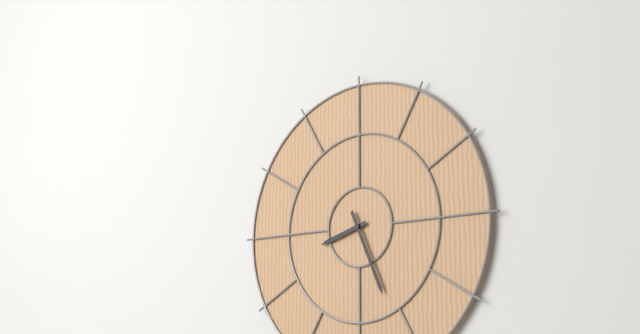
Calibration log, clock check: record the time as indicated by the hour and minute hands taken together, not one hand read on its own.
8:26
